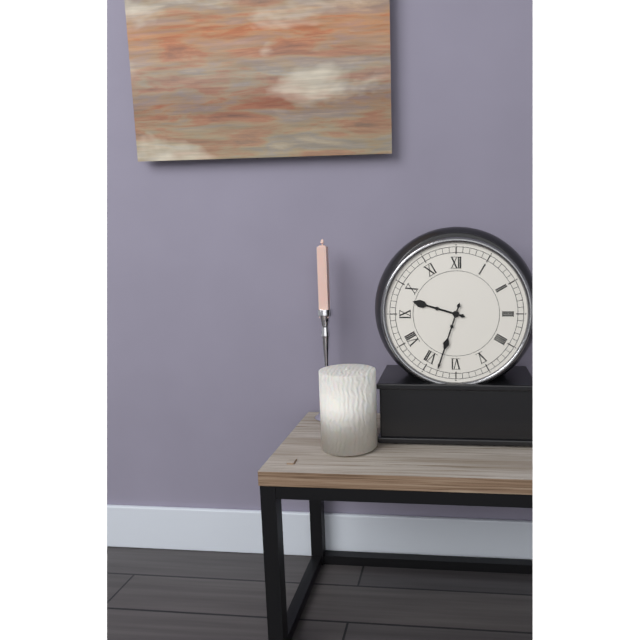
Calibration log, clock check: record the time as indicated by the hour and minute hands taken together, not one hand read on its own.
9:33
